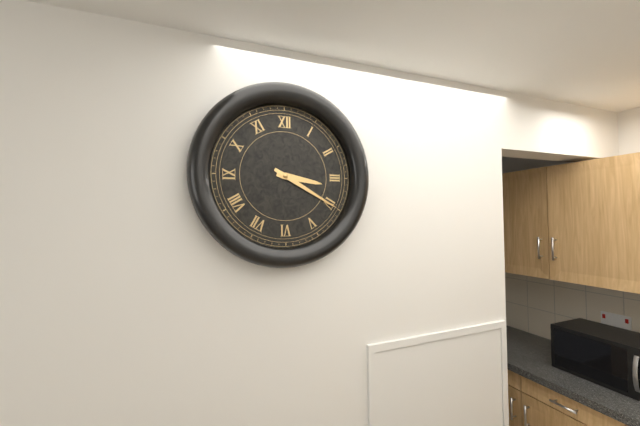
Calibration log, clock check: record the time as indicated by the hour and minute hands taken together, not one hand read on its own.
3:20
